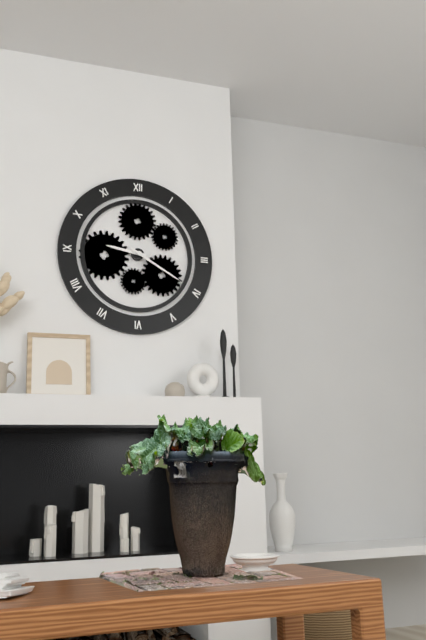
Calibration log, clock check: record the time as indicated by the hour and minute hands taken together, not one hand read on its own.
9:20
